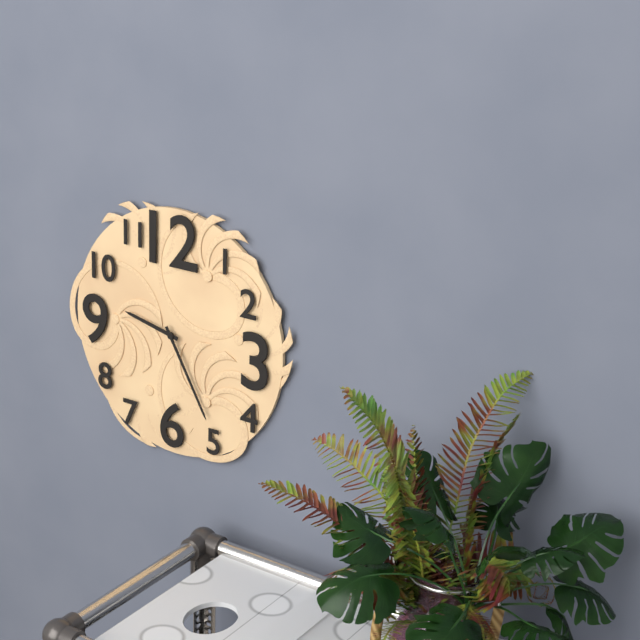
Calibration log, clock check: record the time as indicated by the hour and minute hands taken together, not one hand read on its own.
9:25
